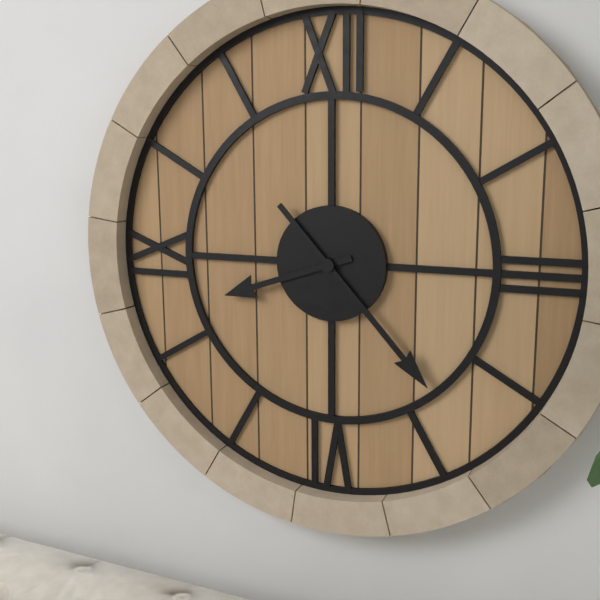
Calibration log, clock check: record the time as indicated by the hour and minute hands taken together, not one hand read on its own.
8:23
